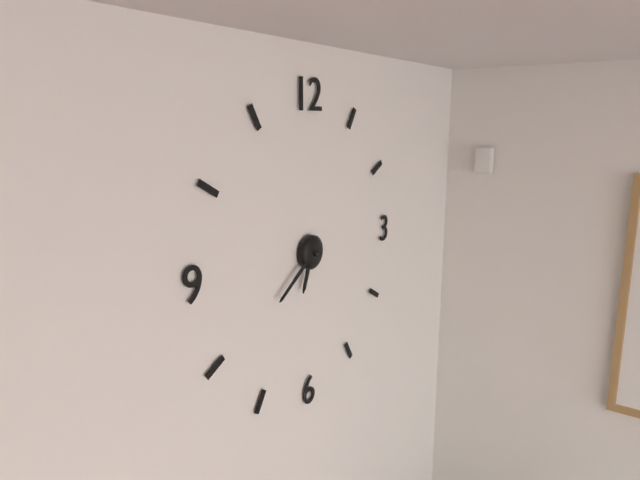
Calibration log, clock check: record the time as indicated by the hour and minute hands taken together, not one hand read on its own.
6:39
